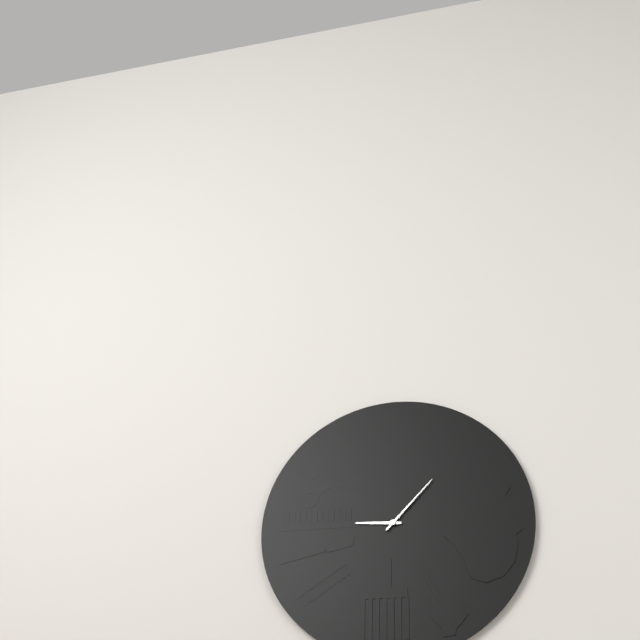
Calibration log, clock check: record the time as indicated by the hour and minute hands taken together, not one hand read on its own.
9:07
